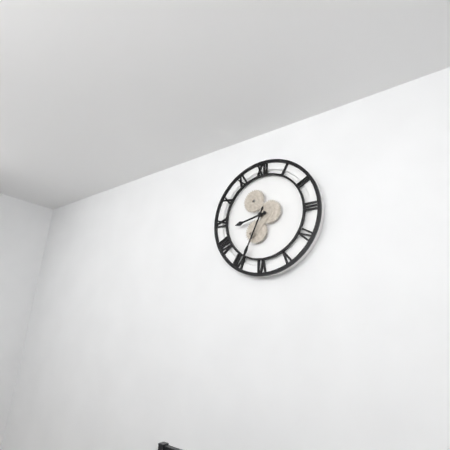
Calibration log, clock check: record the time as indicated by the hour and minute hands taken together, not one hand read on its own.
8:34
